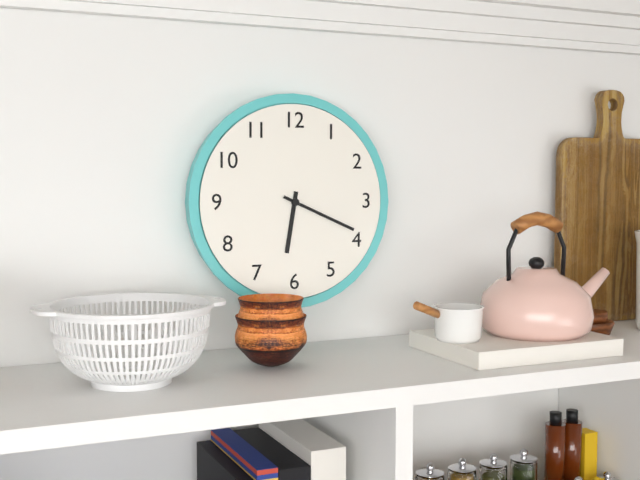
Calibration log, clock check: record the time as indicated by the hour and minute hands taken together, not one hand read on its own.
6:19
